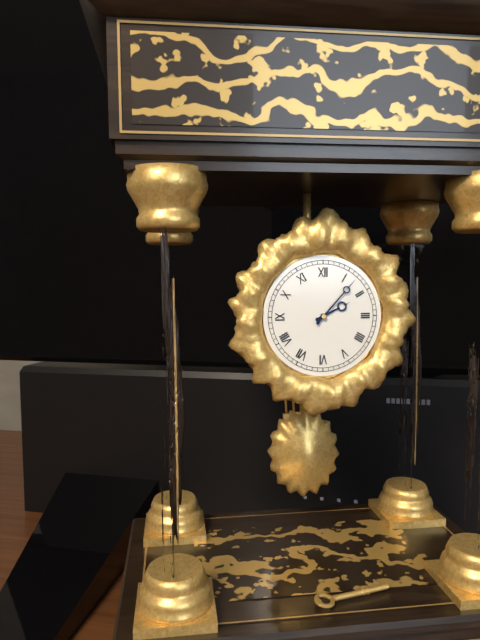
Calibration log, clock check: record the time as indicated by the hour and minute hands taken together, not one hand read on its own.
2:07
